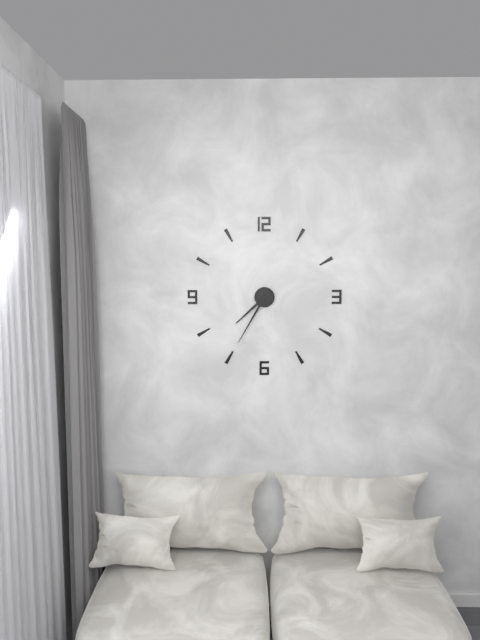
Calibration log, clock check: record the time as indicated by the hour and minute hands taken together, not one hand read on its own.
7:35
